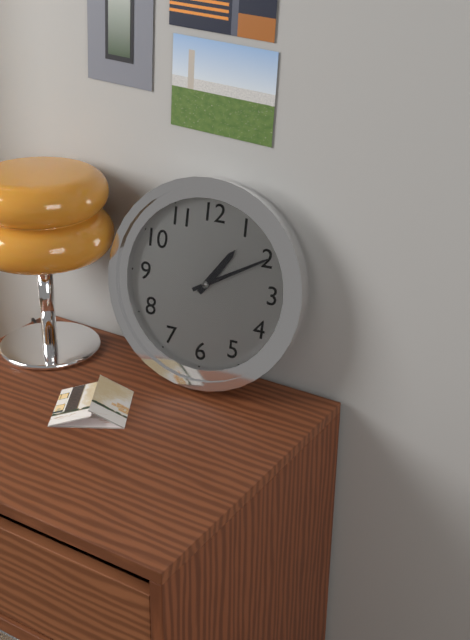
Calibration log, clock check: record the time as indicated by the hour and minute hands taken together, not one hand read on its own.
1:10
